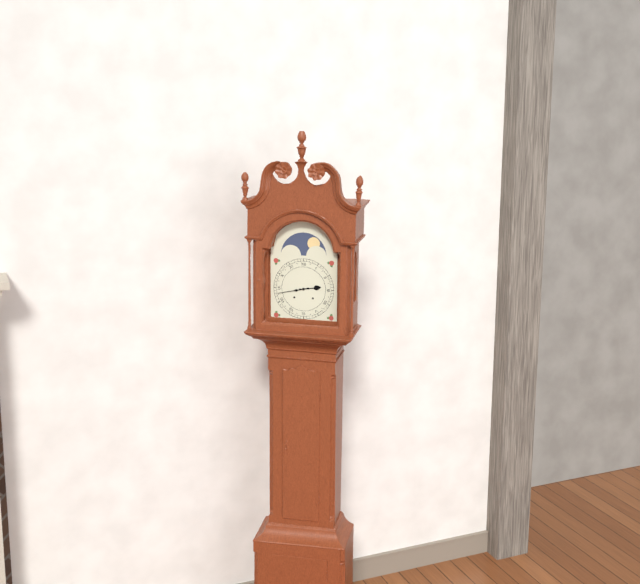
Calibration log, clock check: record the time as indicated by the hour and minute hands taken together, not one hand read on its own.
2:43
